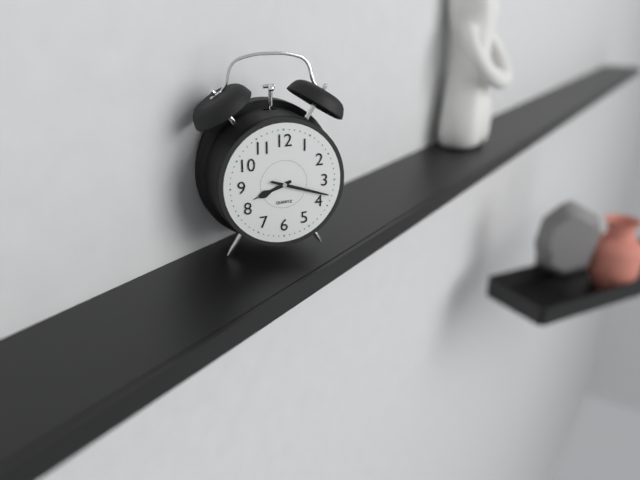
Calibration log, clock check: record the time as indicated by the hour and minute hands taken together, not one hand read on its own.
8:18
